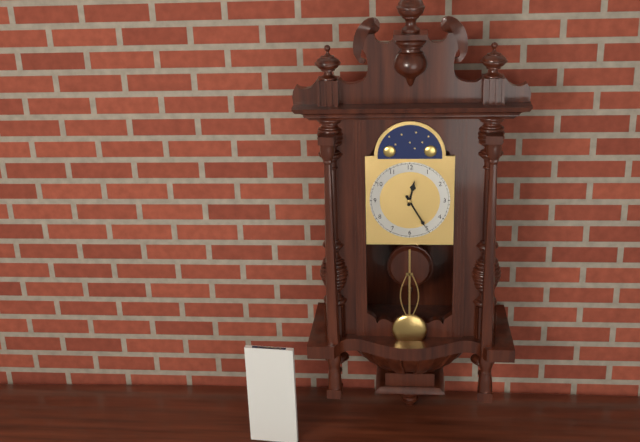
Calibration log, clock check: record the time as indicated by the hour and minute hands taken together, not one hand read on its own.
12:25
